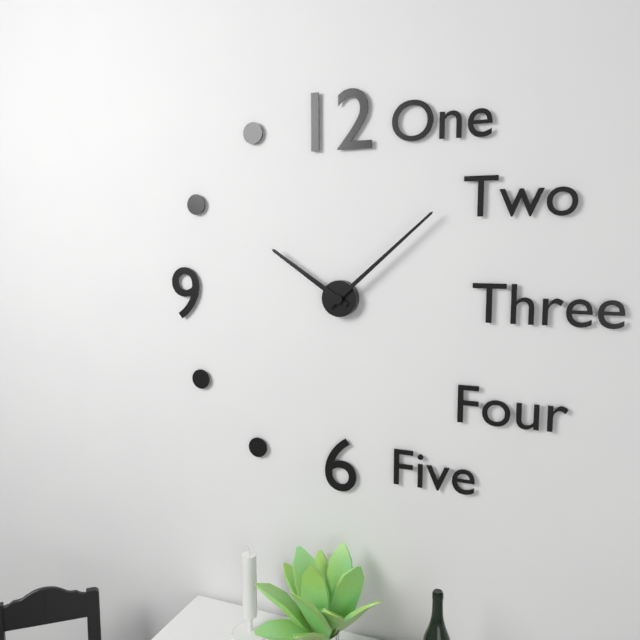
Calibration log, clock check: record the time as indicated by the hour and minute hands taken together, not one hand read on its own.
10:08
